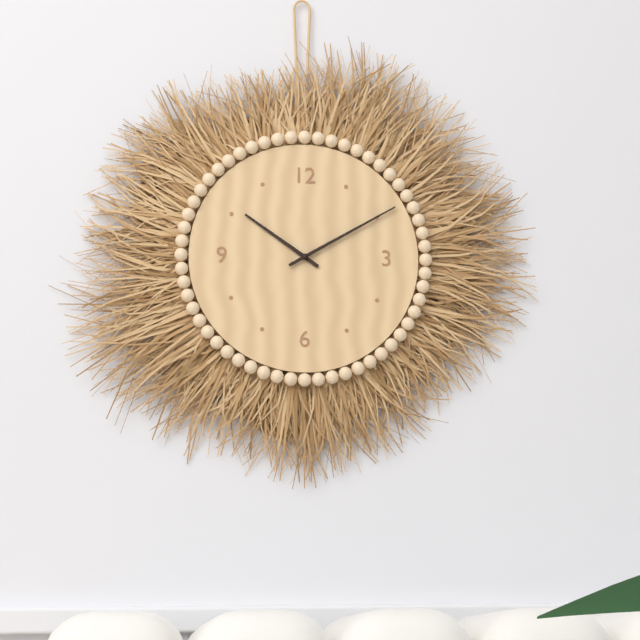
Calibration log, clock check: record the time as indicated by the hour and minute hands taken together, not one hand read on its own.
10:10
